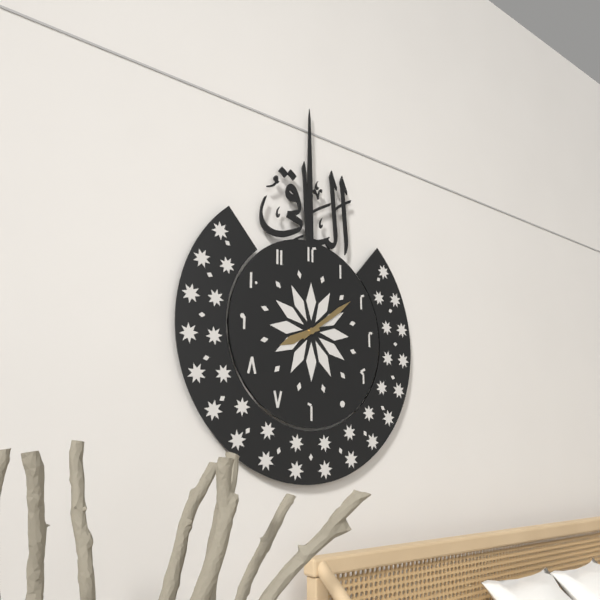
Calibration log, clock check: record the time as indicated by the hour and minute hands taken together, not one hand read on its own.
8:09
